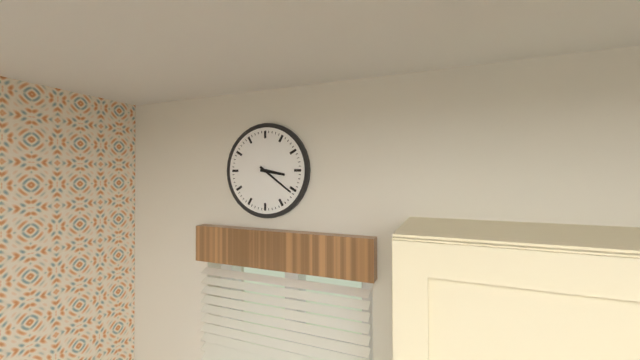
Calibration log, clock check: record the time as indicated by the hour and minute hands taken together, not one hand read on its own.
3:21
